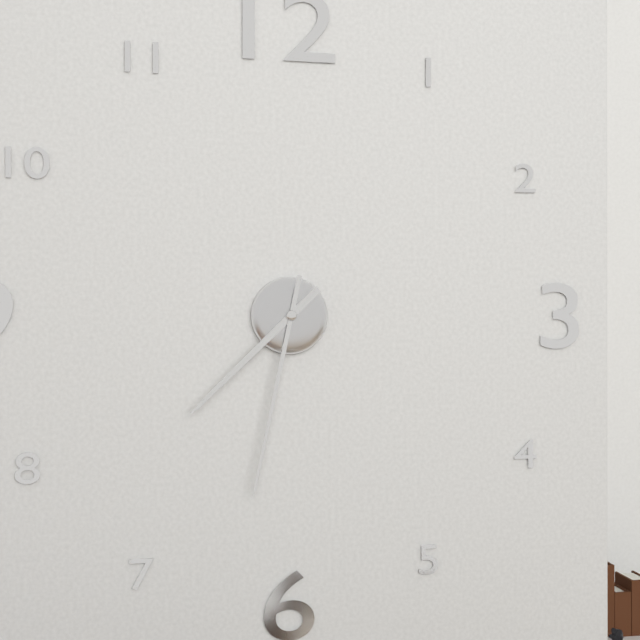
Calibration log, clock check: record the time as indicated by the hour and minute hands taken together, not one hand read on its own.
7:32
